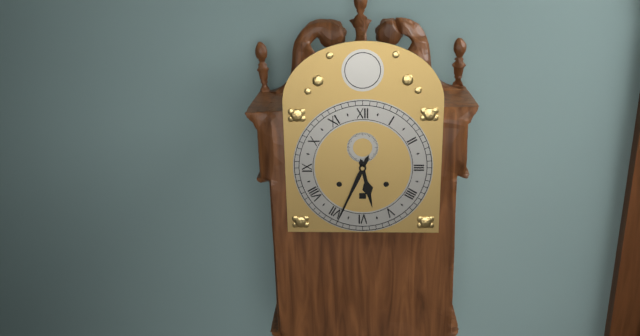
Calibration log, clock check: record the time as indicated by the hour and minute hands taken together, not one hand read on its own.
5:34
